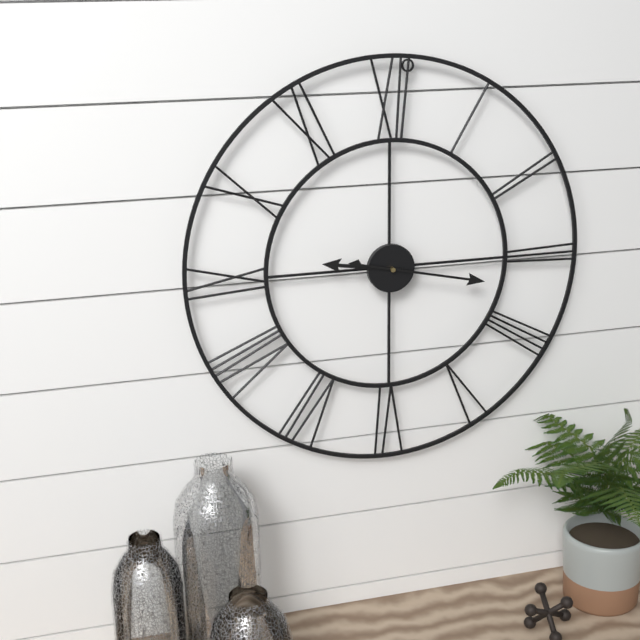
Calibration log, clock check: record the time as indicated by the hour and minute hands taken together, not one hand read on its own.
9:17
